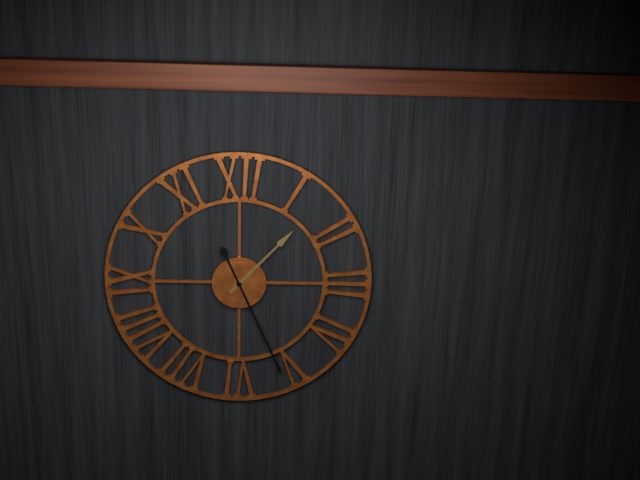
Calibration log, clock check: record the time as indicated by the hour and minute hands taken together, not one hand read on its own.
1:26
